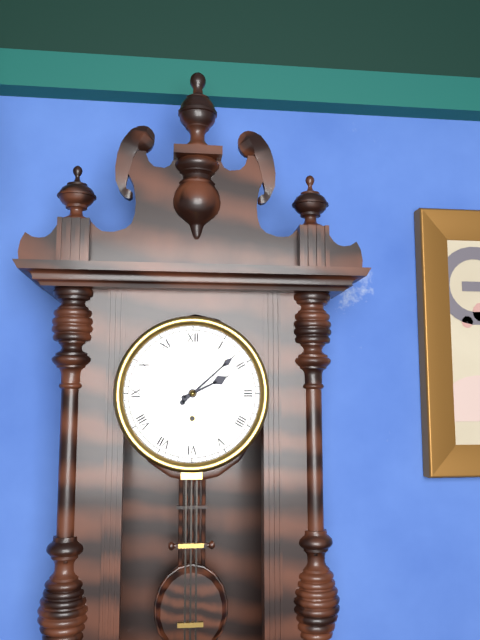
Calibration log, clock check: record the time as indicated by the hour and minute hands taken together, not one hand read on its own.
2:08
